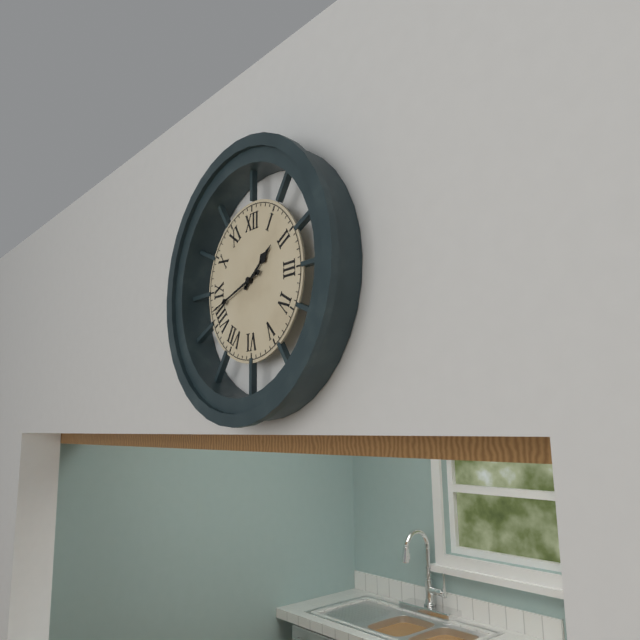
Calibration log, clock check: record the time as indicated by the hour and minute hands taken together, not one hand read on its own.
1:42
